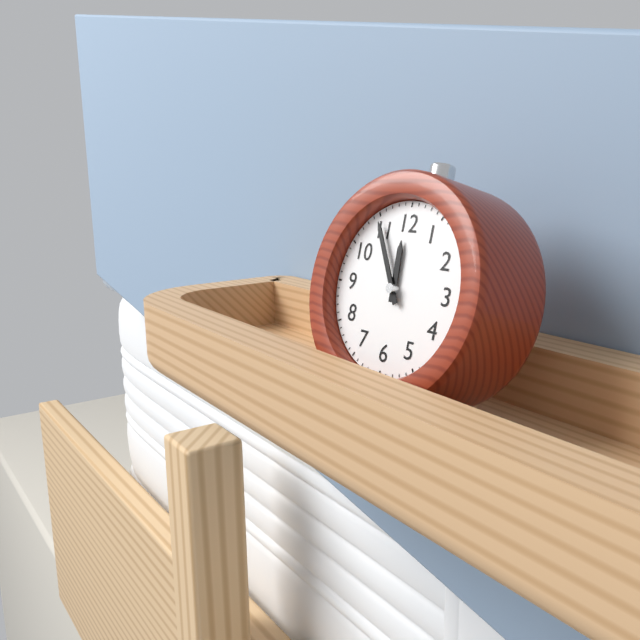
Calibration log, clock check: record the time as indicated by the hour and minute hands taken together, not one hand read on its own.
11:55
